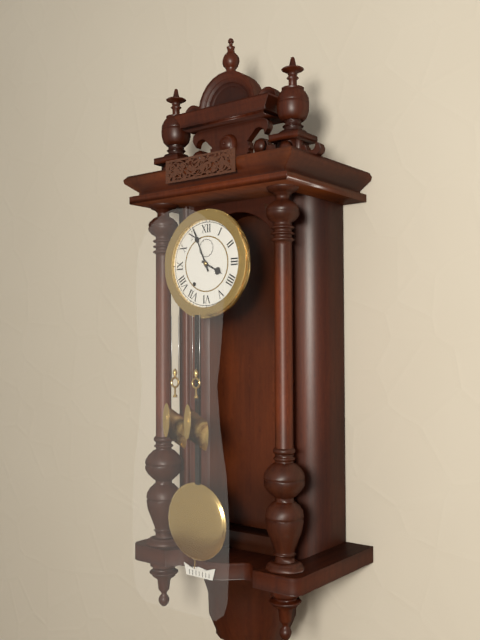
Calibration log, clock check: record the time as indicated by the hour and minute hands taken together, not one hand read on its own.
3:56
